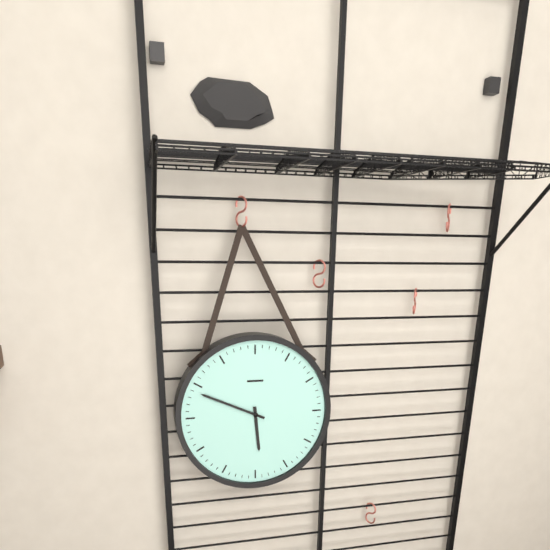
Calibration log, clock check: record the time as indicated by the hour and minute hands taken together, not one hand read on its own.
5:49
